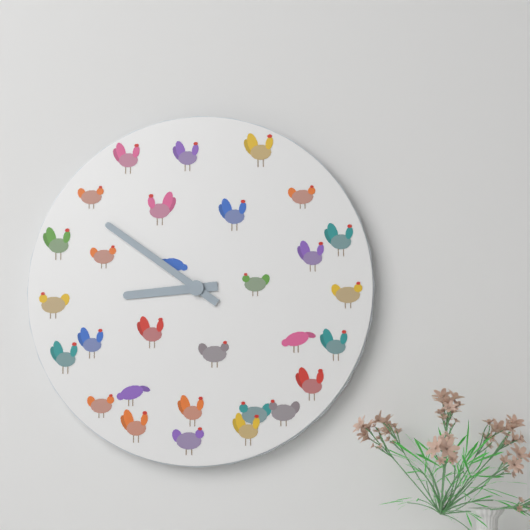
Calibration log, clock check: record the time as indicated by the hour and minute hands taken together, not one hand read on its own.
8:51
